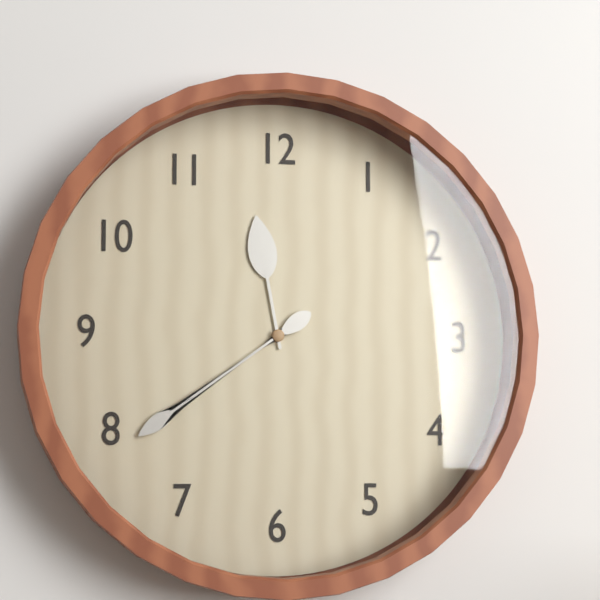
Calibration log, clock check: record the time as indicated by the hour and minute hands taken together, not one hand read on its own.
11:39
